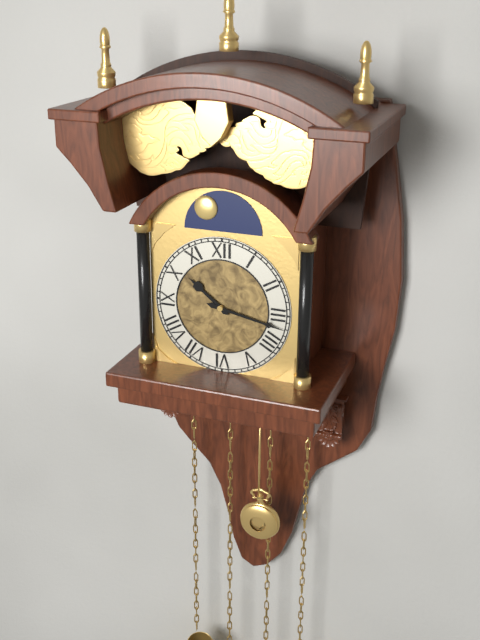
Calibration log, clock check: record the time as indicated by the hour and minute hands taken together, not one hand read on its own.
10:17
